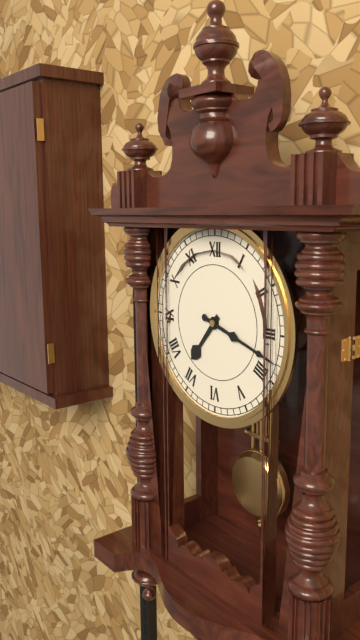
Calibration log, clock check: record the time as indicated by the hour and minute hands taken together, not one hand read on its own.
7:18
